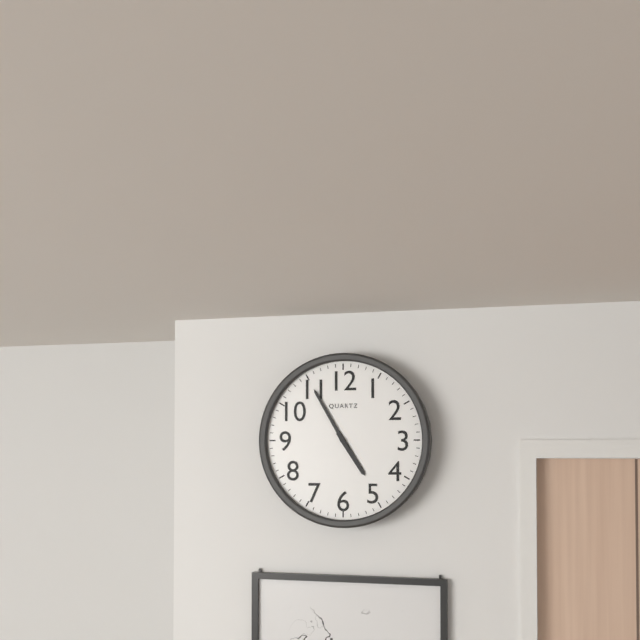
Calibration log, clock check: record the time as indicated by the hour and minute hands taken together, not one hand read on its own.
4:55
